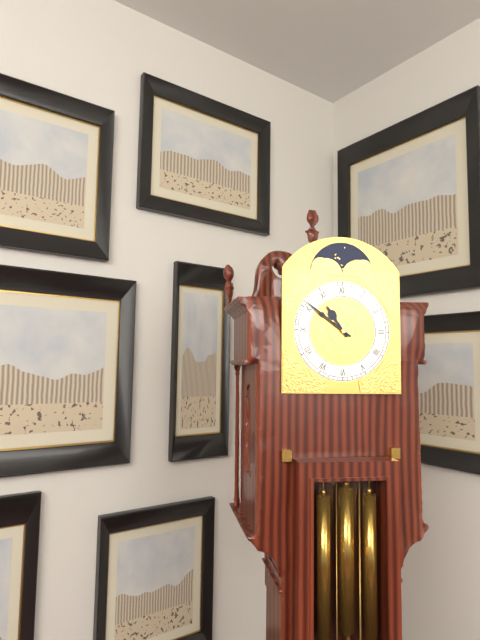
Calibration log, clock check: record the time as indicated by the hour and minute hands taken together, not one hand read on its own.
10:51
